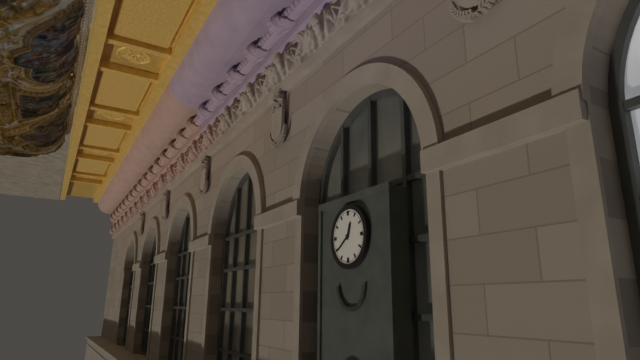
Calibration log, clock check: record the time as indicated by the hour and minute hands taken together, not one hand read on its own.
12:39
